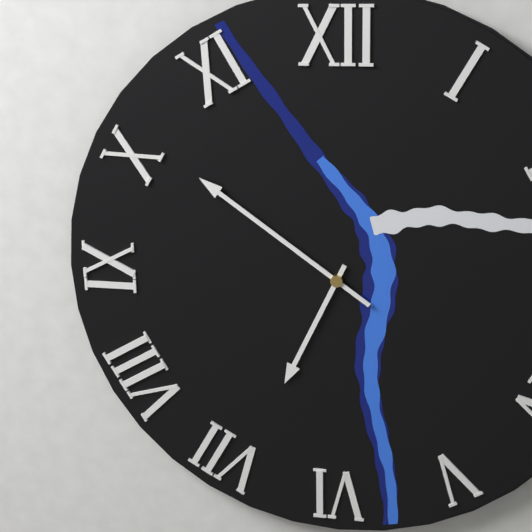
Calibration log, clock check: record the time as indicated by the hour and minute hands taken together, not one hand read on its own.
6:51
